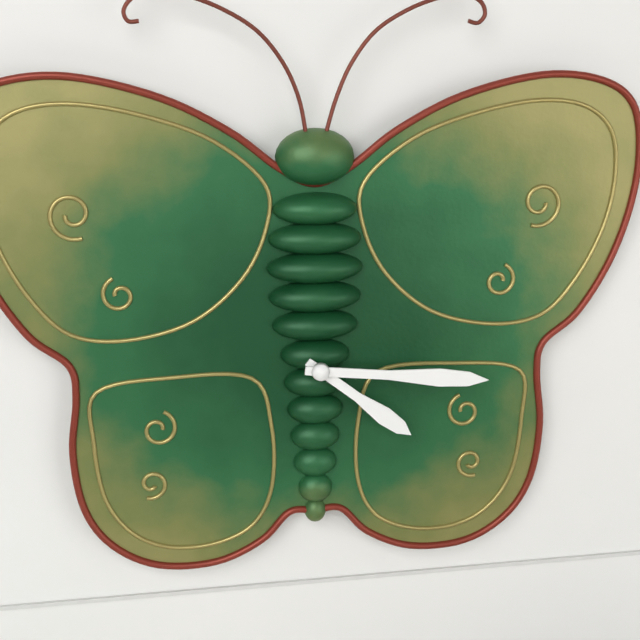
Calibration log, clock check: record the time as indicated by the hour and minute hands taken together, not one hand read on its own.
4:16
